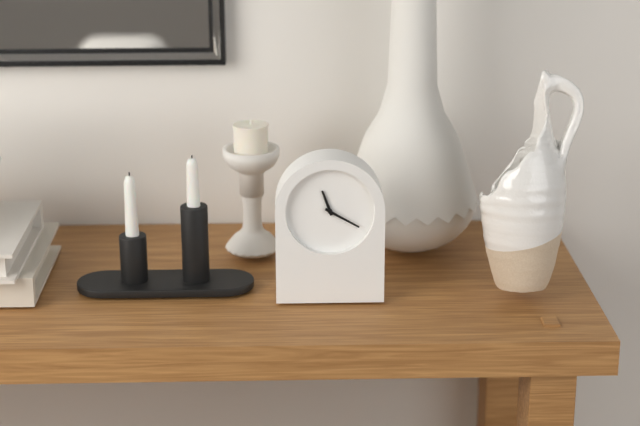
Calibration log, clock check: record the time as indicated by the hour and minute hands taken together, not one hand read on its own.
11:20
